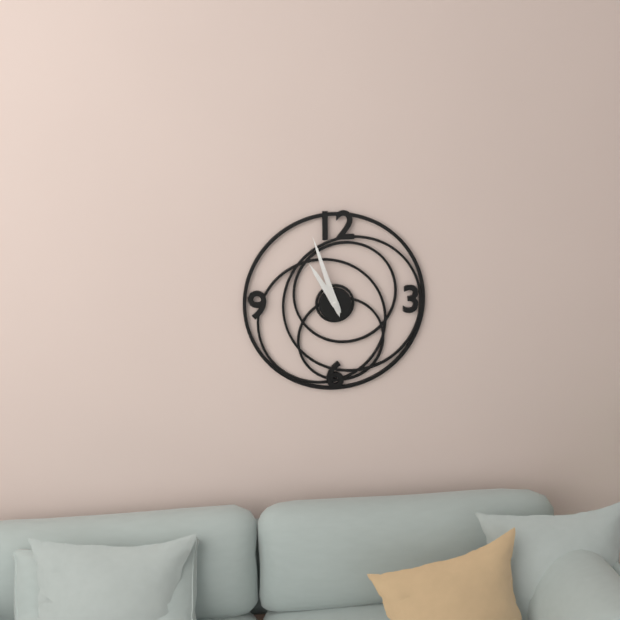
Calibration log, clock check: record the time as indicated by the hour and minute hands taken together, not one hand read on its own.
10:57
